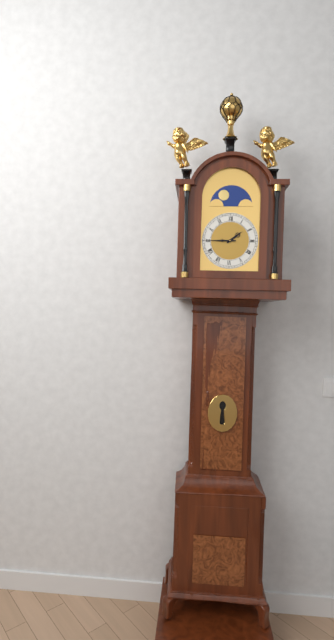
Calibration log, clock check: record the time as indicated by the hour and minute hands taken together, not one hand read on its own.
1:45
